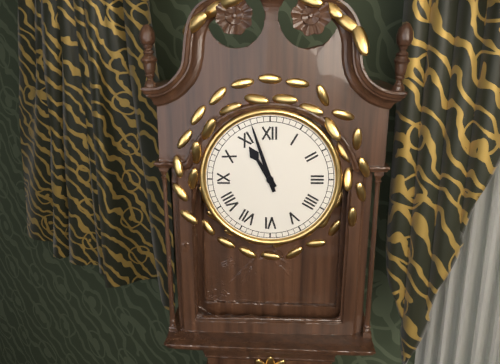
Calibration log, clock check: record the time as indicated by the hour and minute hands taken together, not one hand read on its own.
10:57
